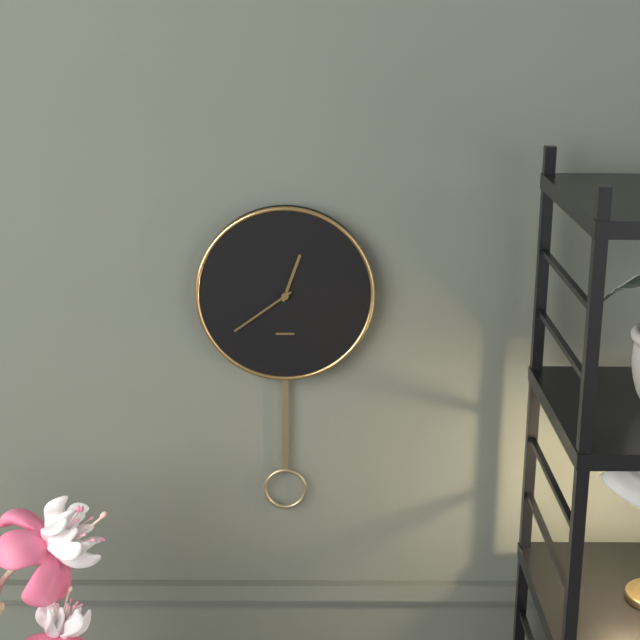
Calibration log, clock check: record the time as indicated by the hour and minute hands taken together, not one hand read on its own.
12:39
